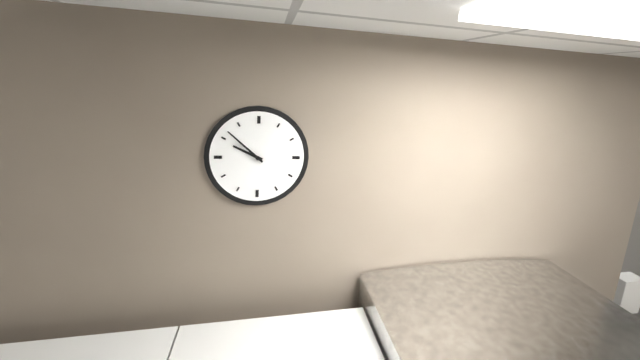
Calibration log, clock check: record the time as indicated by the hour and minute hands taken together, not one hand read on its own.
9:52
